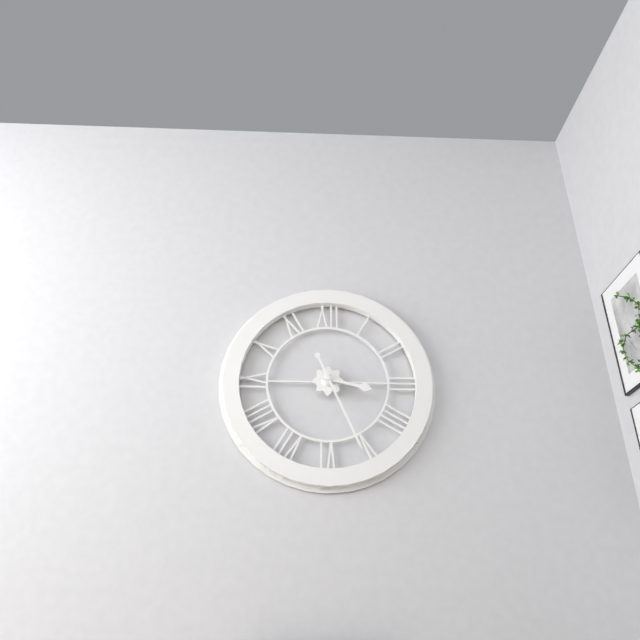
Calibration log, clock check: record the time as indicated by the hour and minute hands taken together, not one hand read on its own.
3:26
